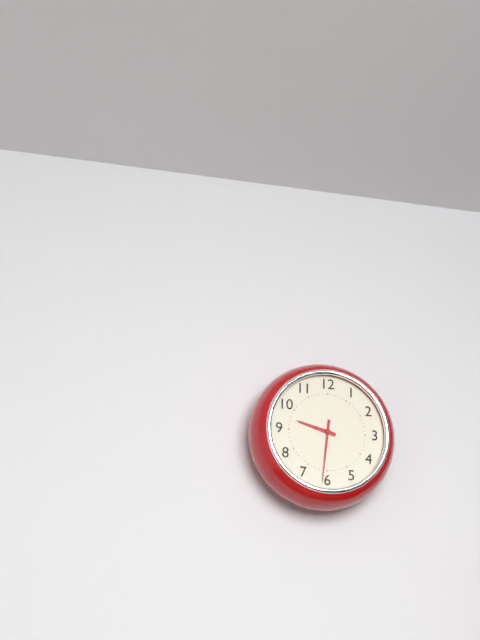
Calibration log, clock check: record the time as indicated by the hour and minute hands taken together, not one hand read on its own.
9:31
